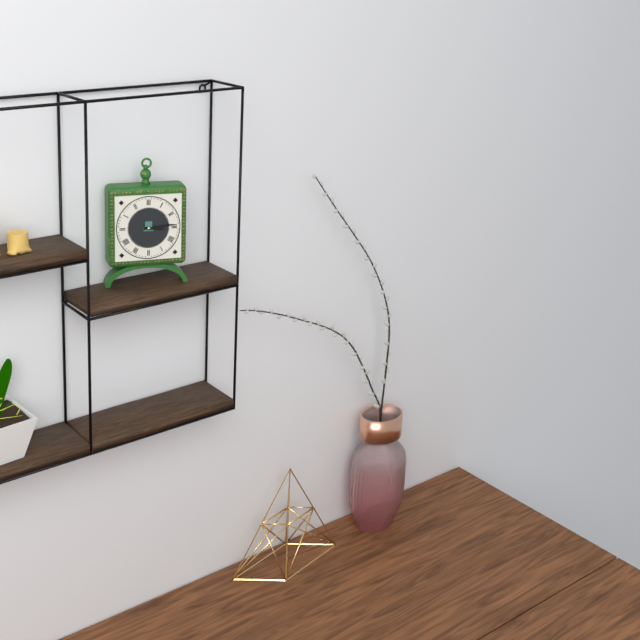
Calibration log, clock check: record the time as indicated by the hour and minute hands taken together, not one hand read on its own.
3:14
